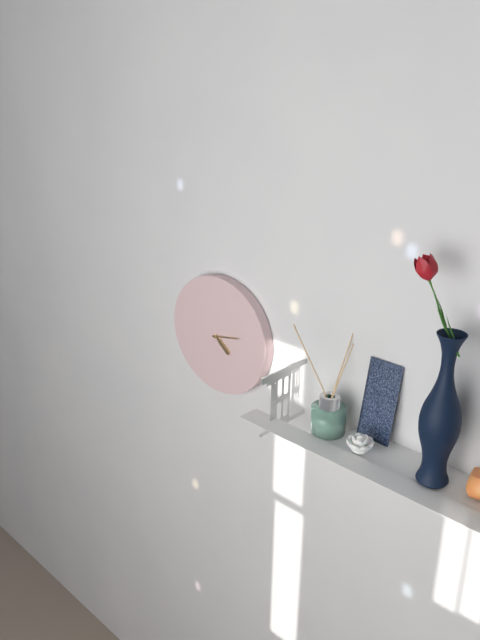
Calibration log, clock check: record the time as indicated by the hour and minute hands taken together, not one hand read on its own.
4:13
